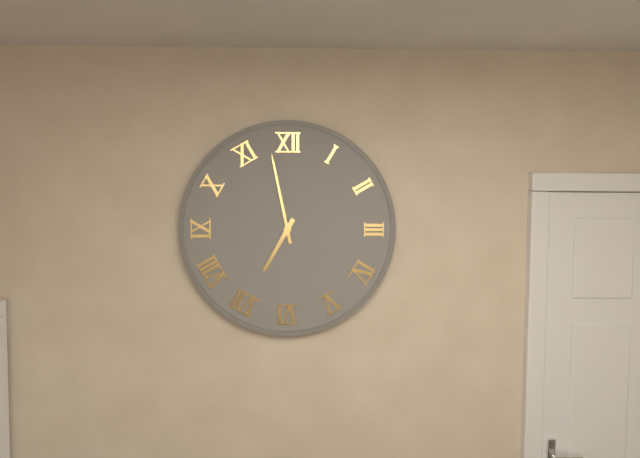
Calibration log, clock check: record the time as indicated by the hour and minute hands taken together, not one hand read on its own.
6:58
